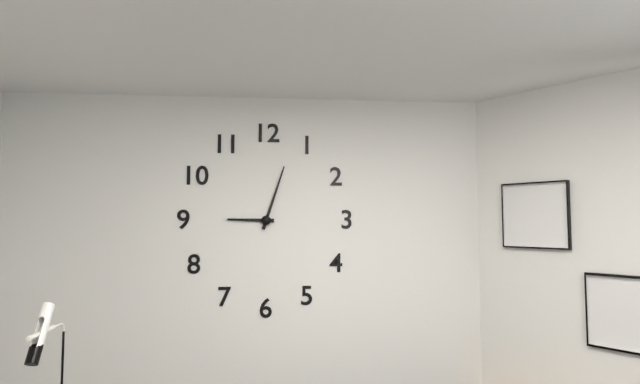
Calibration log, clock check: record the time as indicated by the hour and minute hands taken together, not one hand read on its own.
9:03
